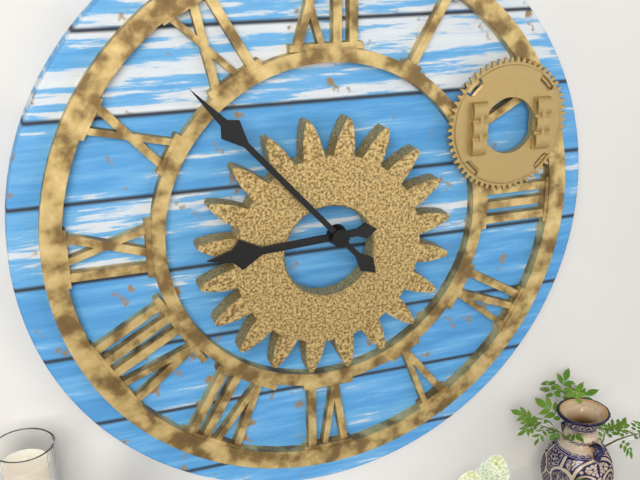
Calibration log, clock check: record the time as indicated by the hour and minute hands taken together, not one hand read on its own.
8:53
